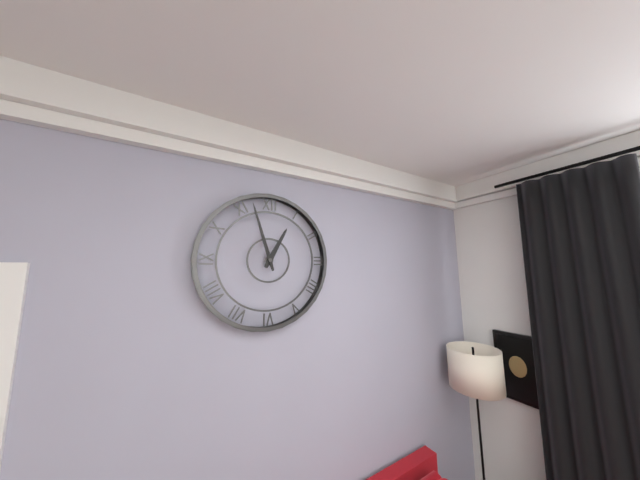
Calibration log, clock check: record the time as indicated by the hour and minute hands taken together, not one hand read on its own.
12:57
